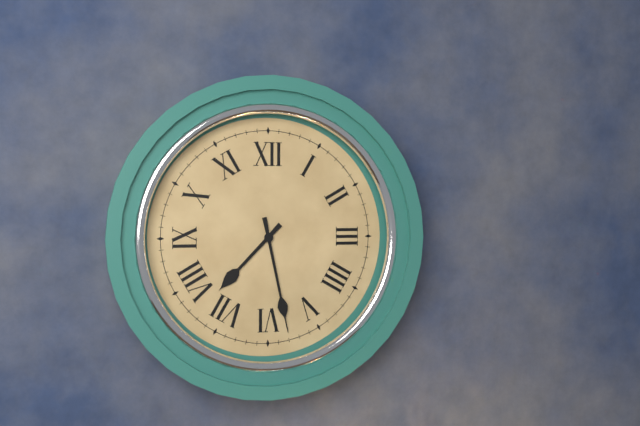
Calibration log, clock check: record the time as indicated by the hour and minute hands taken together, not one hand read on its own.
7:28
